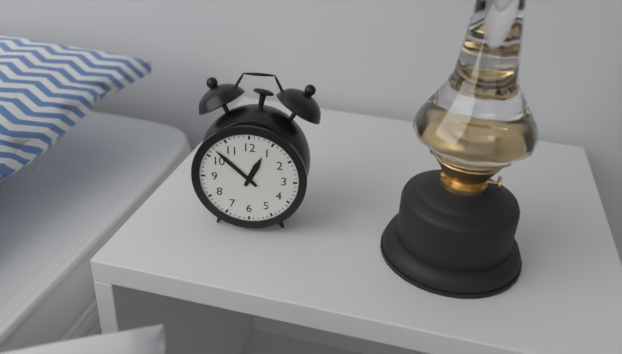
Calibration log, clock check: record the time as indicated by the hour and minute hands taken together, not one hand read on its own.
12:52
